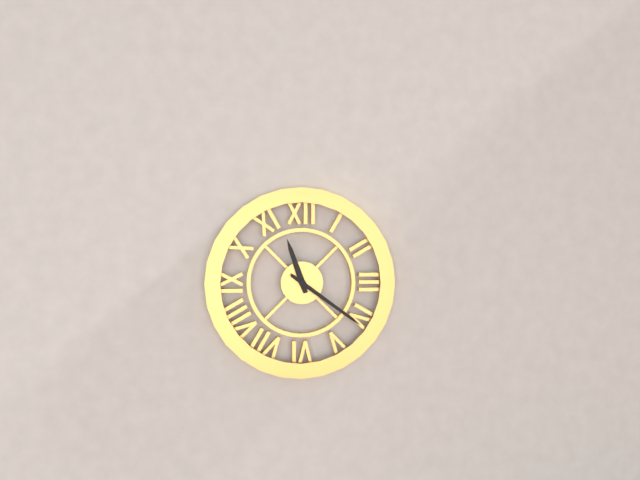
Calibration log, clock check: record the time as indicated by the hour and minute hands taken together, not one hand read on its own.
11:21
